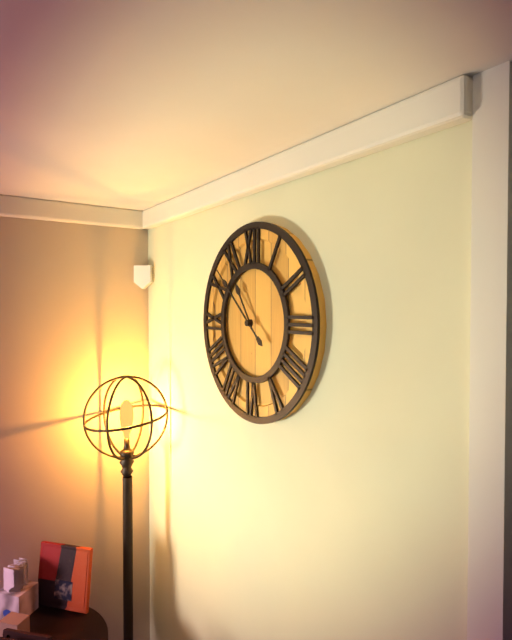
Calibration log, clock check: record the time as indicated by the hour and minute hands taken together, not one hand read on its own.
10:52
